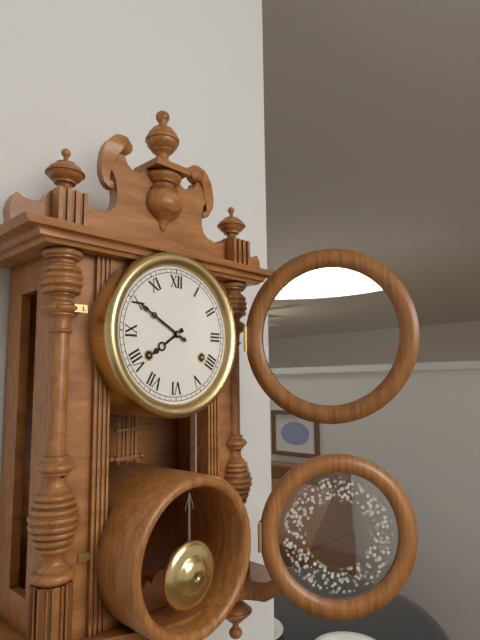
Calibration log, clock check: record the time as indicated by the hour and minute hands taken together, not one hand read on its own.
7:50
